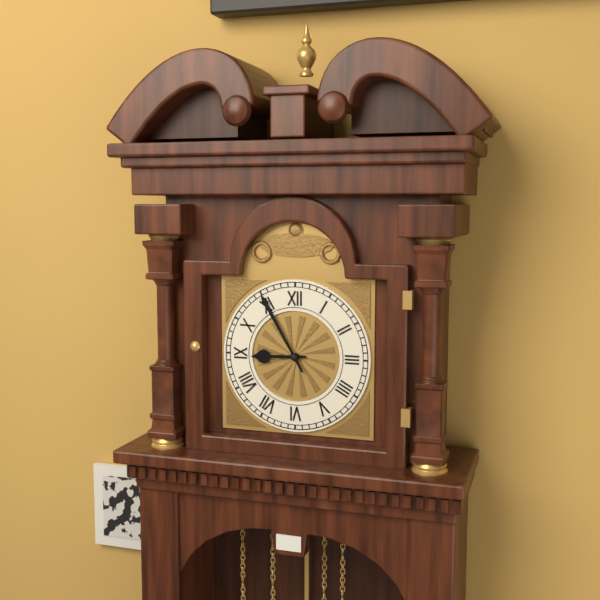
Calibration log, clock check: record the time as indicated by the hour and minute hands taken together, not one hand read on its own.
8:55
